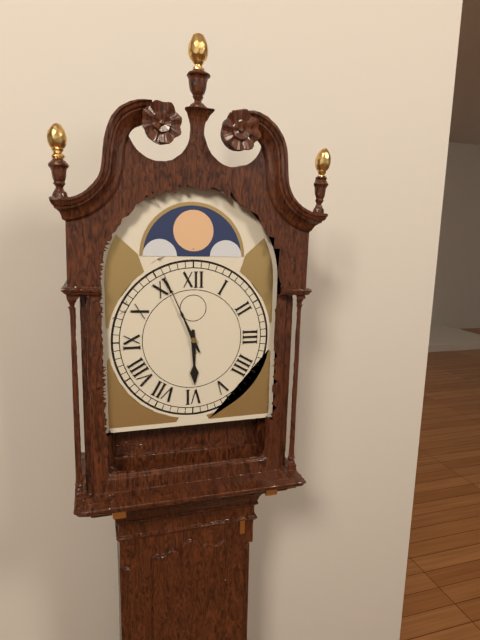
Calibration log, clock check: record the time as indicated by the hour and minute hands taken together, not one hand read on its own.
5:56
